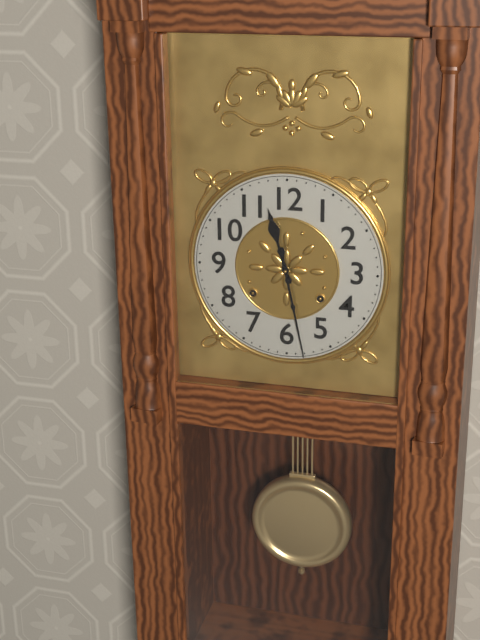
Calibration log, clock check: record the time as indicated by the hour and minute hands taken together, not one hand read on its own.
11:28
